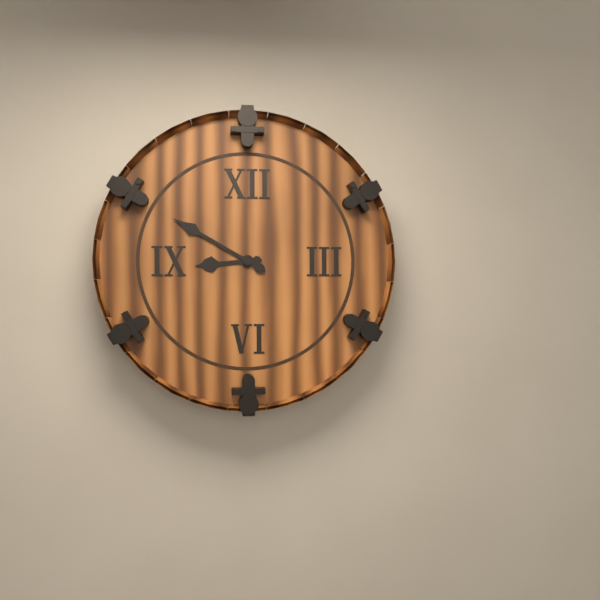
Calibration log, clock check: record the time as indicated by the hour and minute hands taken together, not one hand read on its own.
8:50
